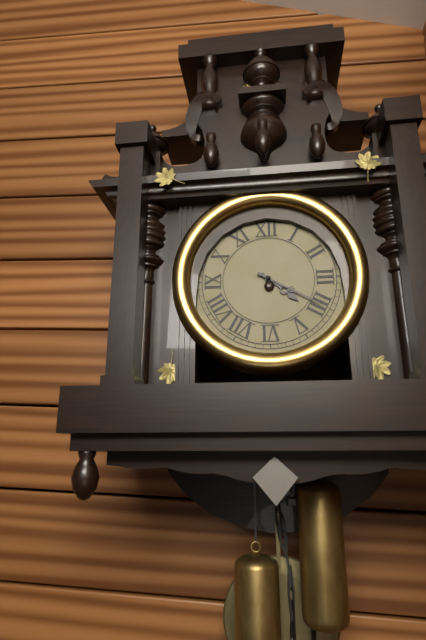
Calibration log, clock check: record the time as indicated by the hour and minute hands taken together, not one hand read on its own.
4:20
